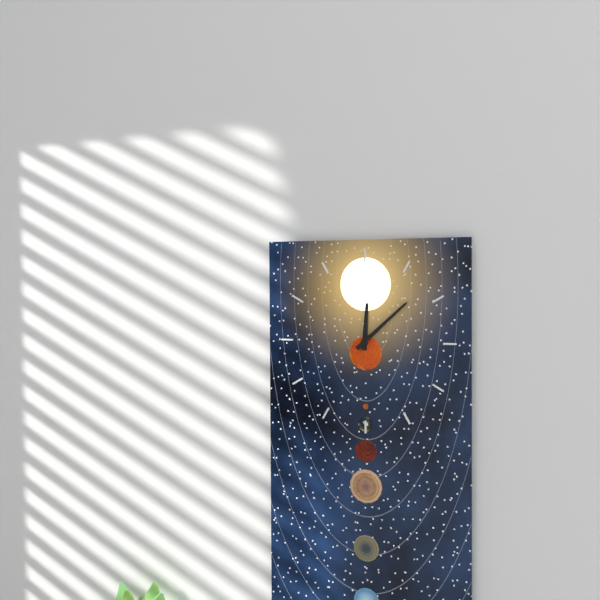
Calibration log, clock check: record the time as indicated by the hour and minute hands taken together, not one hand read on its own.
12:08
